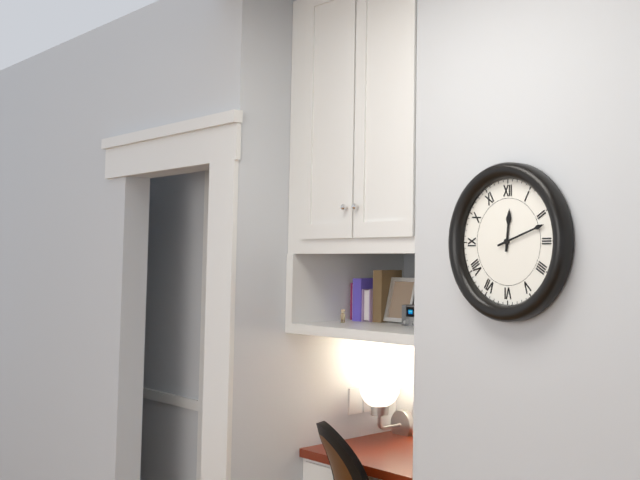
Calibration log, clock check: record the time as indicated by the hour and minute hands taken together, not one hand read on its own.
12:12
